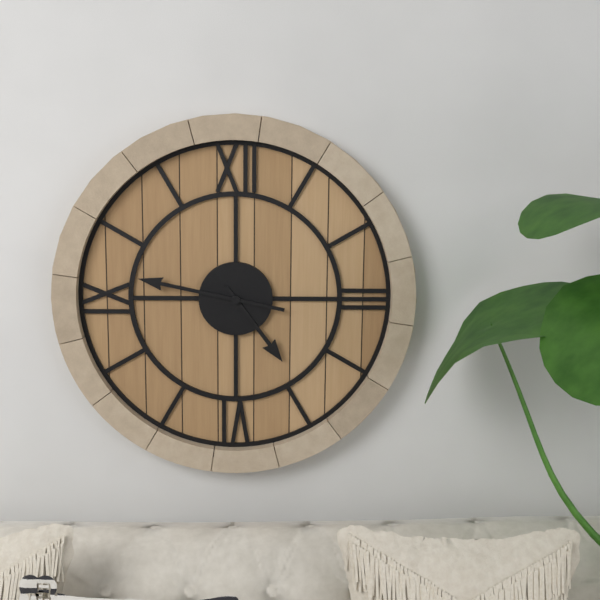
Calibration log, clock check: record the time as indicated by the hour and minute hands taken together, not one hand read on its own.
4:47
